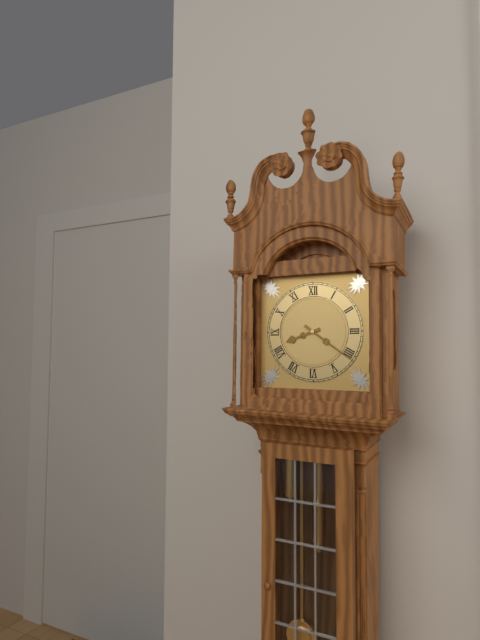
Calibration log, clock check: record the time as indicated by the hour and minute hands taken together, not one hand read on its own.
8:21
